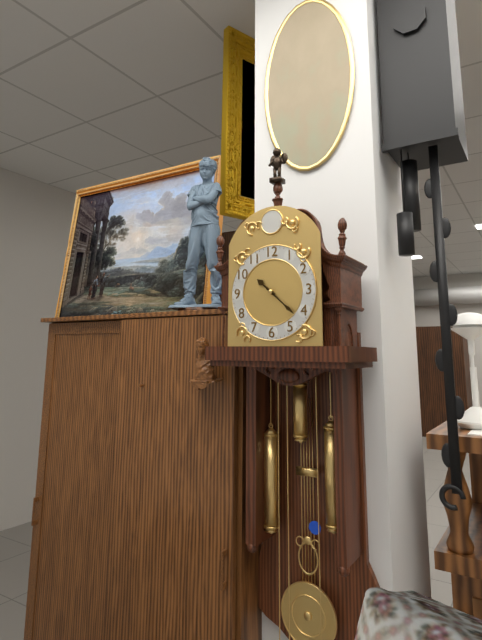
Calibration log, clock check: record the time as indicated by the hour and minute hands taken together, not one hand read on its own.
10:22
